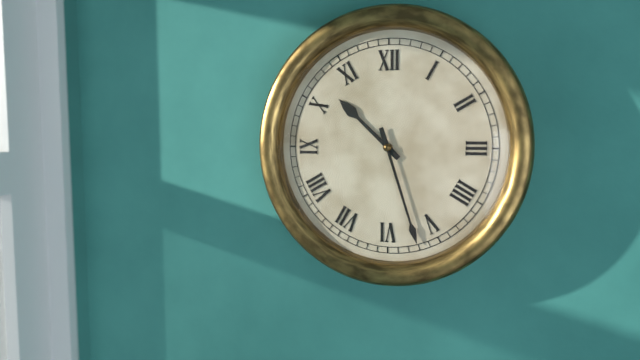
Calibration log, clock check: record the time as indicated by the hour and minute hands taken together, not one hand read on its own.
10:27
